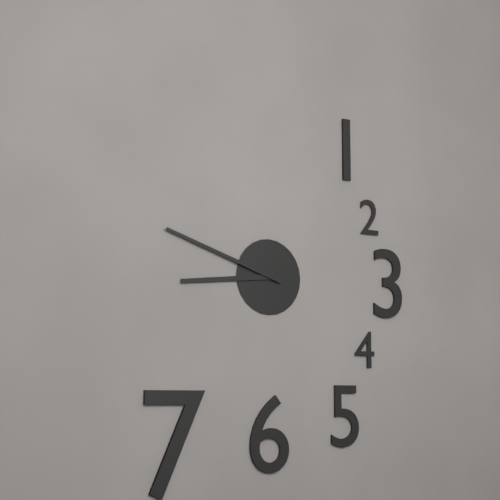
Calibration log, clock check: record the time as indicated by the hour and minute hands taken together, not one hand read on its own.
8:48
